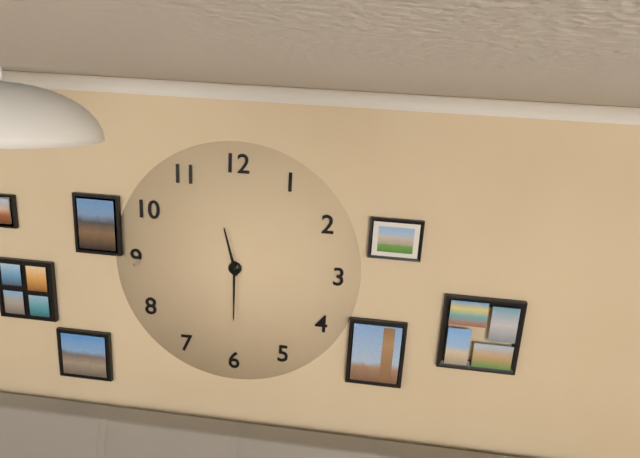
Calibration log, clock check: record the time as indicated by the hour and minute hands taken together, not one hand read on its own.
11:30
